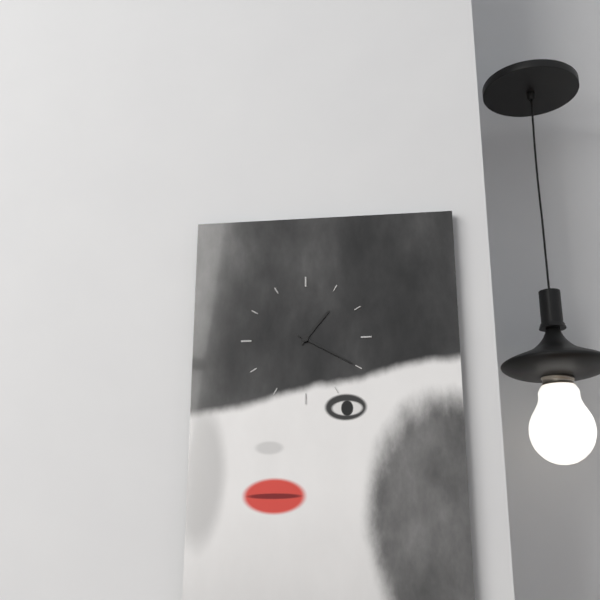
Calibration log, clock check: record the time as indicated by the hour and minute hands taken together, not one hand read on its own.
1:20
